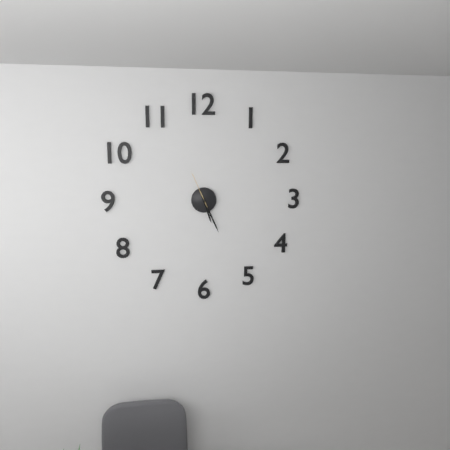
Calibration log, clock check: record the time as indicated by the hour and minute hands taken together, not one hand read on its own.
5:26
